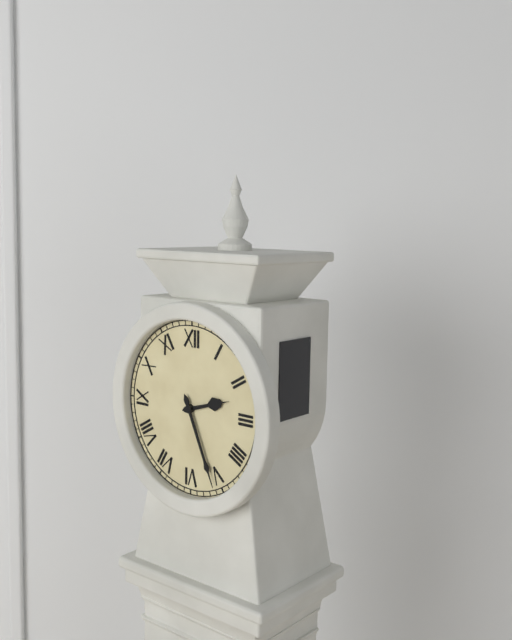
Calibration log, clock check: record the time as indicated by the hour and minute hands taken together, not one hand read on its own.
2:26
